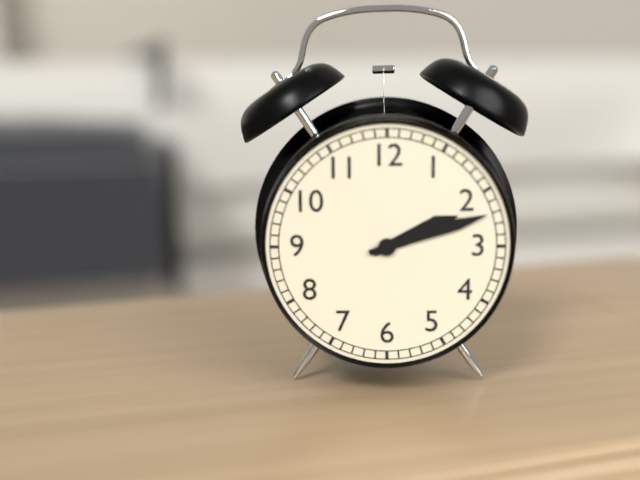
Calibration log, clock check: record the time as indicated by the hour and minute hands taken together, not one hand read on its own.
2:12
